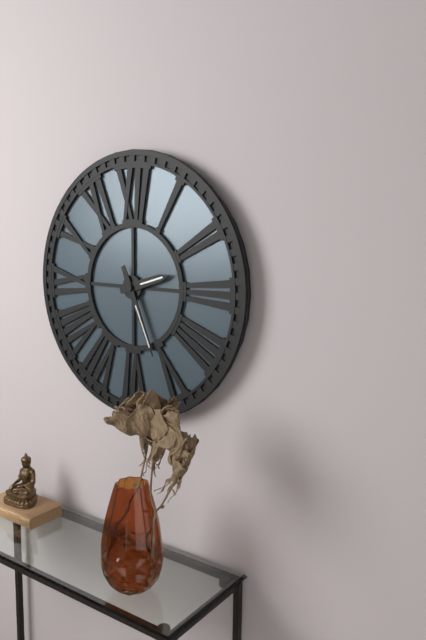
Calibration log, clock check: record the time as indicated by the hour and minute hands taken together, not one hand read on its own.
2:26
